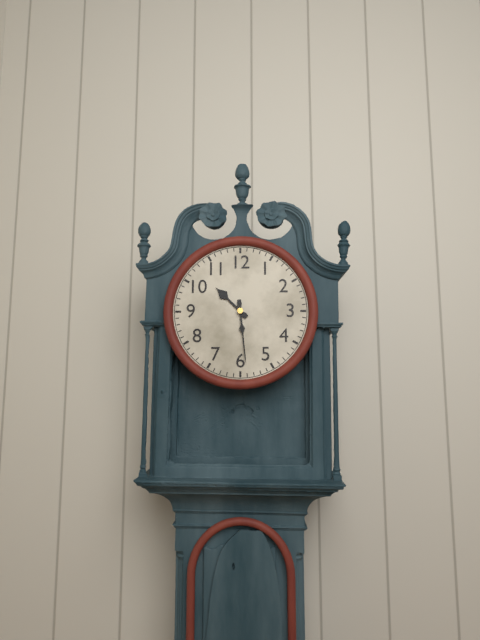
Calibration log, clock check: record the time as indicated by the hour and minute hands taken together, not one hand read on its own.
10:29
